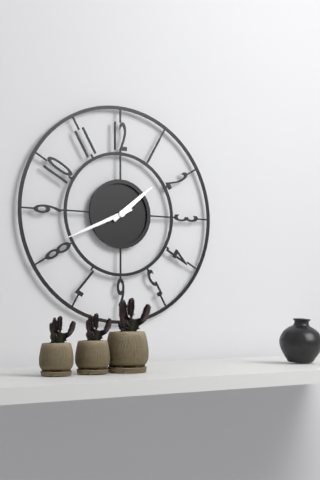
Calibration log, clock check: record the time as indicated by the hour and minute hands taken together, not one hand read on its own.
1:41
